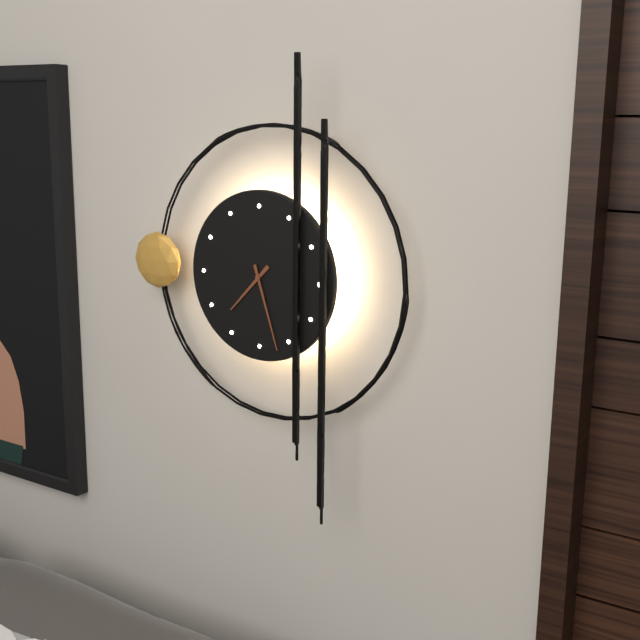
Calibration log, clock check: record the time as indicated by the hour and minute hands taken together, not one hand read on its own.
7:27
